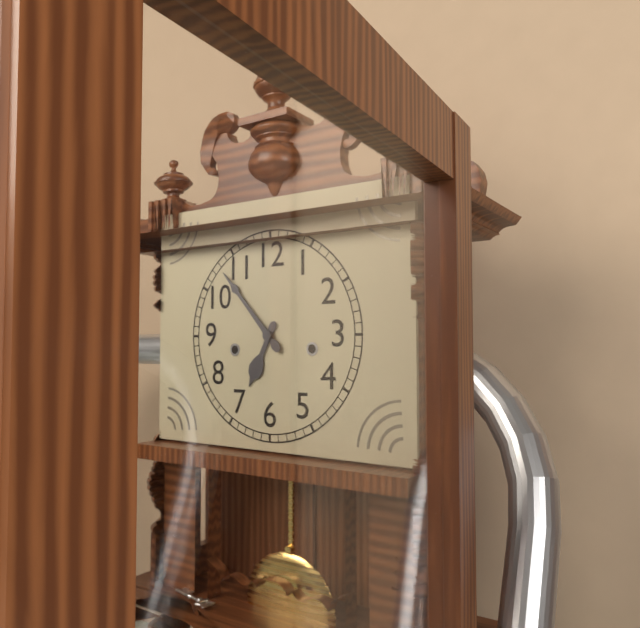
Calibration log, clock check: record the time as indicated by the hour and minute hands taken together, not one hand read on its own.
6:53
